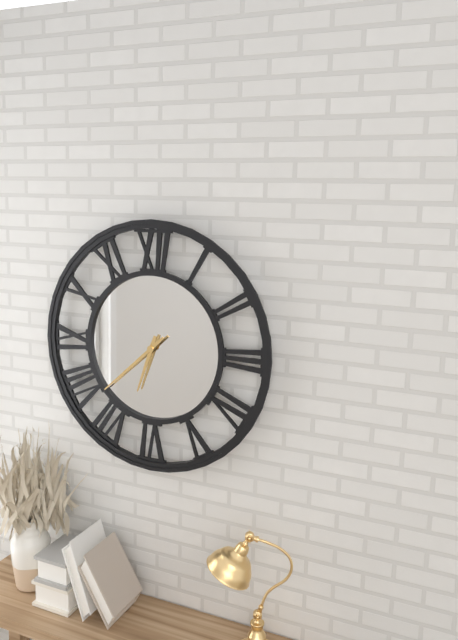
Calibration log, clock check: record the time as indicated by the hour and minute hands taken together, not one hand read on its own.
6:38
